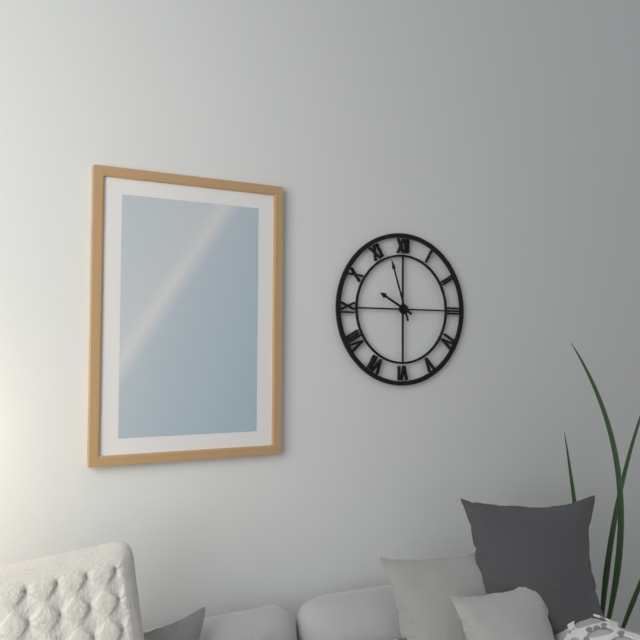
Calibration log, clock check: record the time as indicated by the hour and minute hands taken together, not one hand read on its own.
9:57
